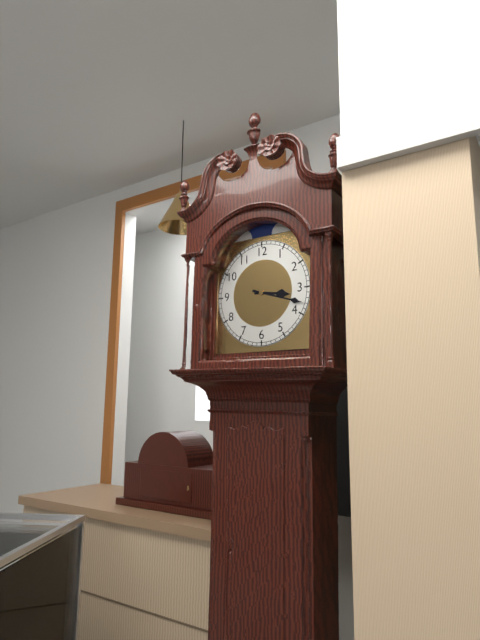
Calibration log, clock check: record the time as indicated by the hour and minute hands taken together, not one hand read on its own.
3:18
